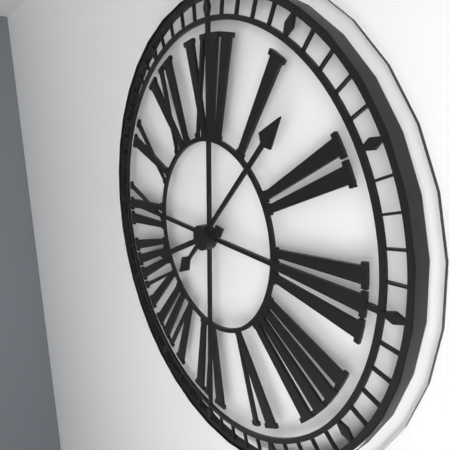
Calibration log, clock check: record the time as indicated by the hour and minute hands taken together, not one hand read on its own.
8:07
